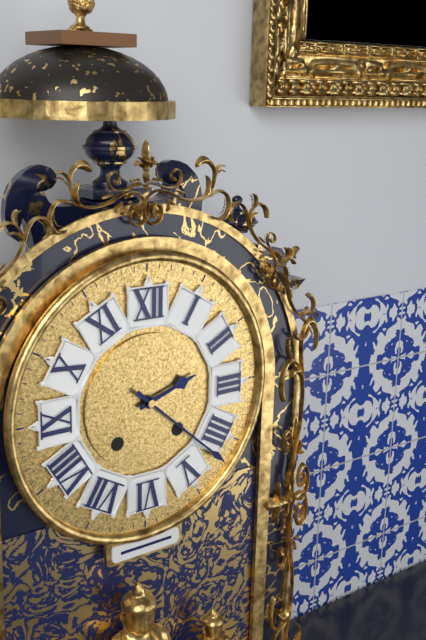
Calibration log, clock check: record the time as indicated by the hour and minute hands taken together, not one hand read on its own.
2:22
